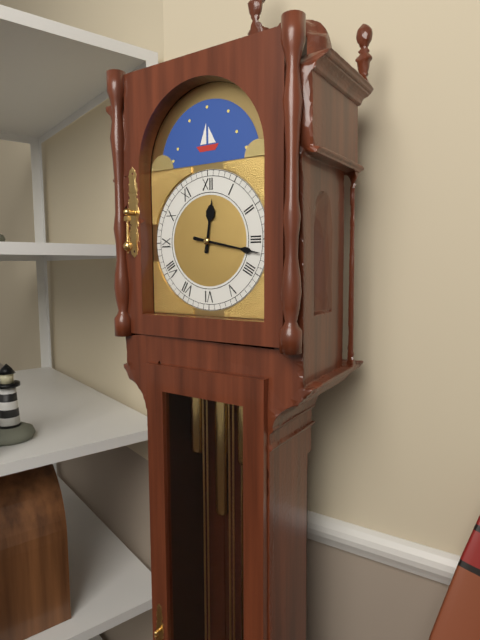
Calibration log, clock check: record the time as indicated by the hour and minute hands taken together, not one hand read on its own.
12:17
